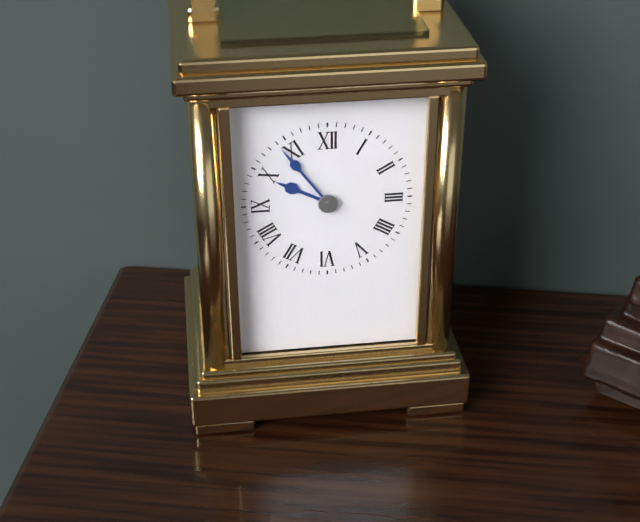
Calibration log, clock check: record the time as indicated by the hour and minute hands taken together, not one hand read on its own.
9:54
